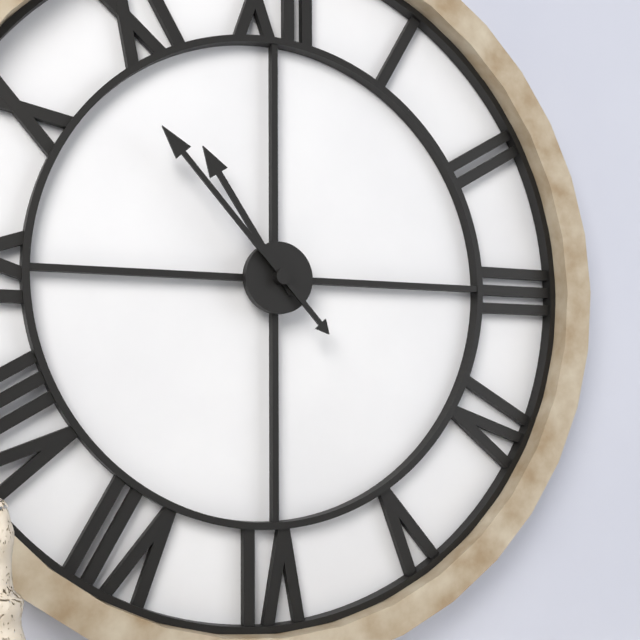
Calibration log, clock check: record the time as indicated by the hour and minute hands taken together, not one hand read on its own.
10:53
